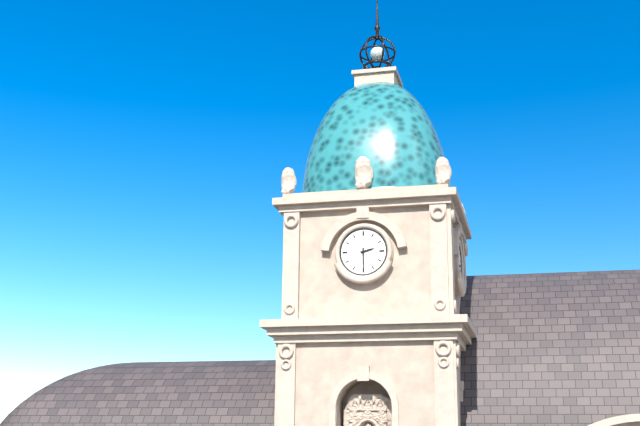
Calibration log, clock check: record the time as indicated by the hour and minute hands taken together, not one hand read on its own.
2:30
